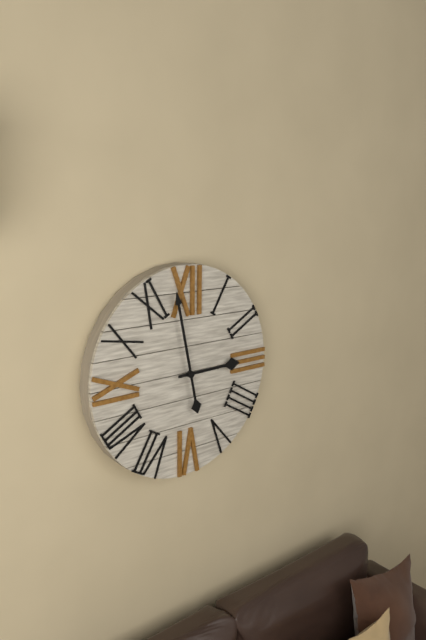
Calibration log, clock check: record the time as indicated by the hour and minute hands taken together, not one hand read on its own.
2:58
